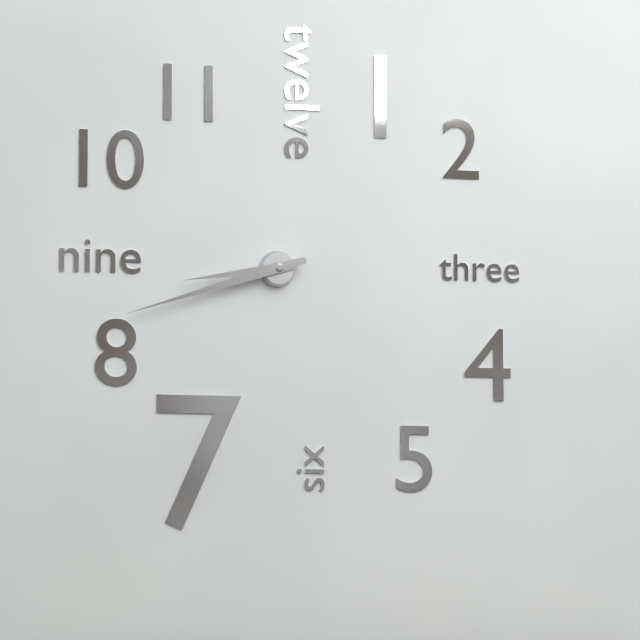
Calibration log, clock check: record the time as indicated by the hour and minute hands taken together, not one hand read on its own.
8:42
